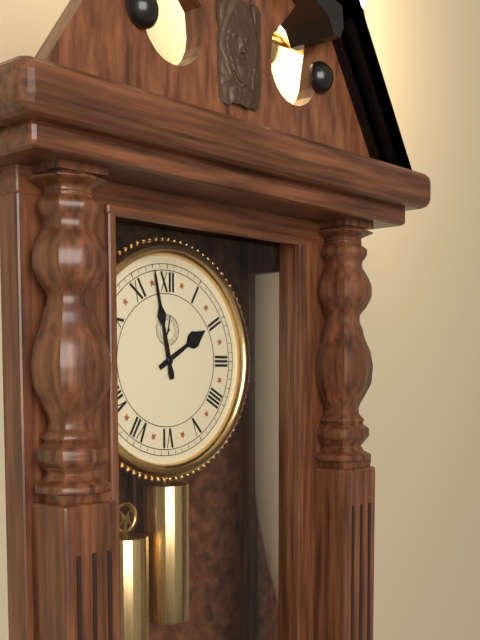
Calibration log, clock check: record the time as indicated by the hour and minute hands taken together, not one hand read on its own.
1:58
